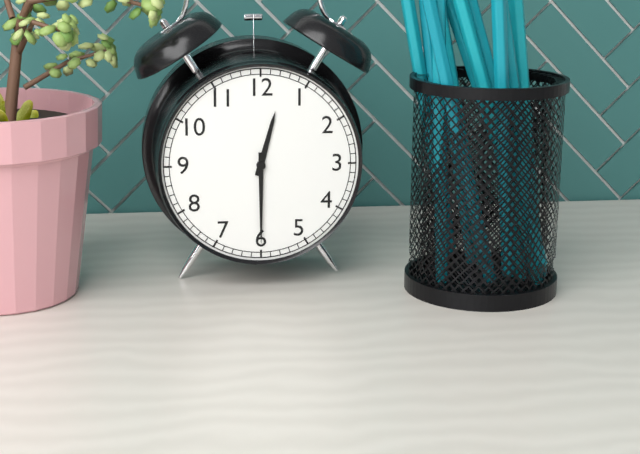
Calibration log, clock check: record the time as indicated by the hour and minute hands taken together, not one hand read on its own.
12:30
